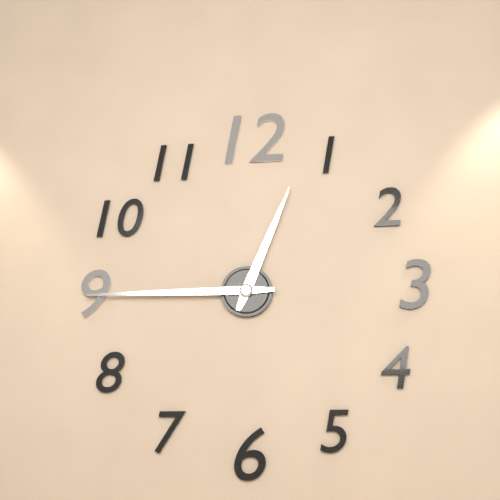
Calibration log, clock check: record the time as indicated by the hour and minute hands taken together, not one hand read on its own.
12:45
